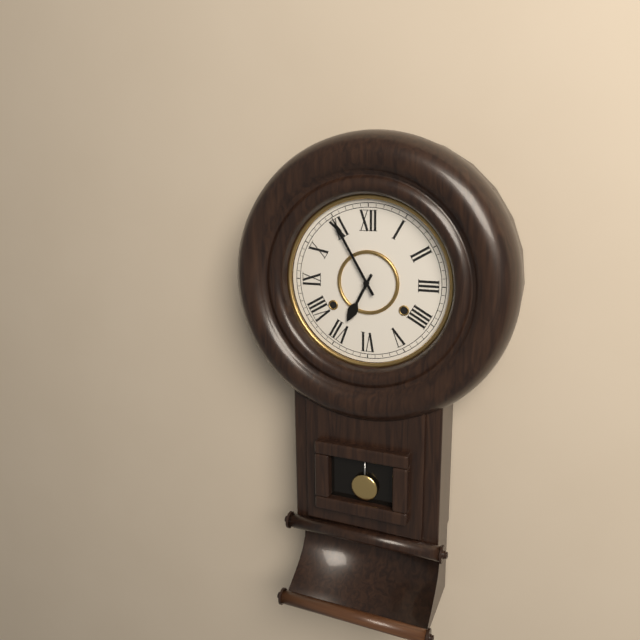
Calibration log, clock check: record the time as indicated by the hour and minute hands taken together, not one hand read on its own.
6:55
